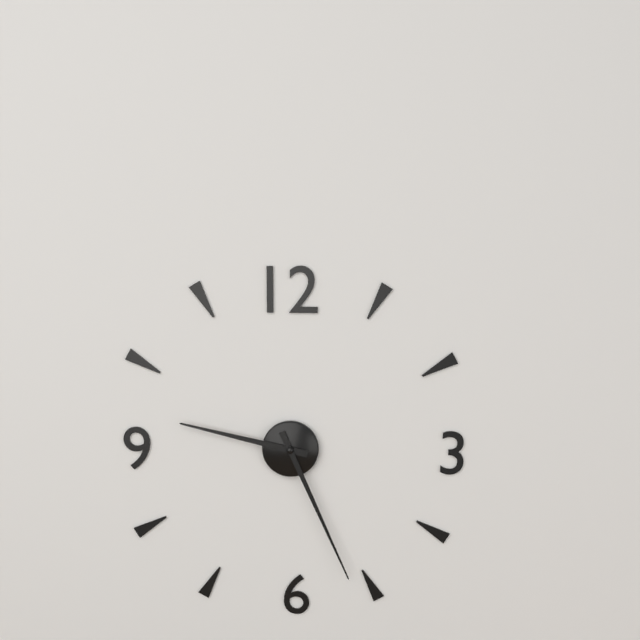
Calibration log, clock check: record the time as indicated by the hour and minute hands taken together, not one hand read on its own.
9:26
